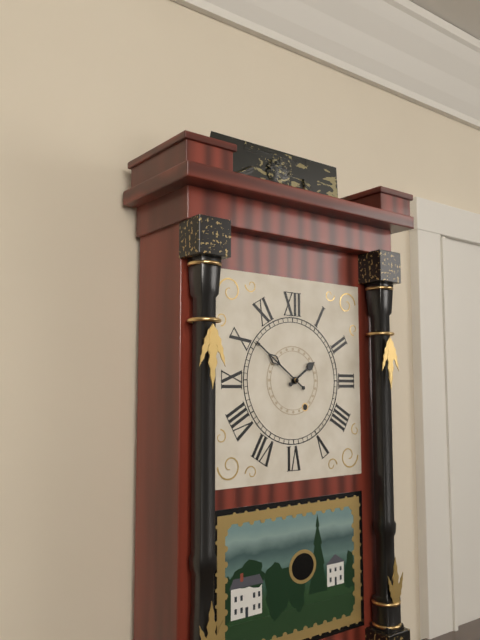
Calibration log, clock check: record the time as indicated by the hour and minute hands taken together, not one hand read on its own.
1:51
